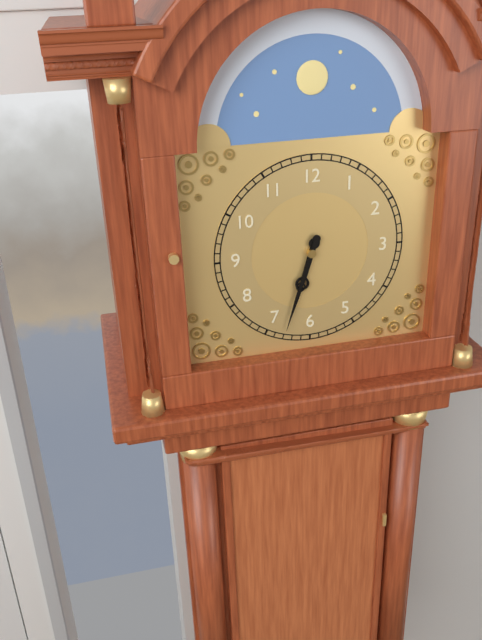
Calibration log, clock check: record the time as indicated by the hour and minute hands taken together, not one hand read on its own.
6:33
